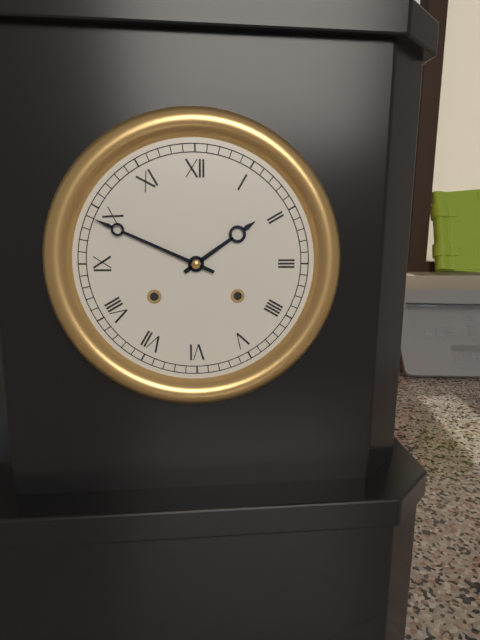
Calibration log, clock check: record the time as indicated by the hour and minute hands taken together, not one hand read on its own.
1:49
